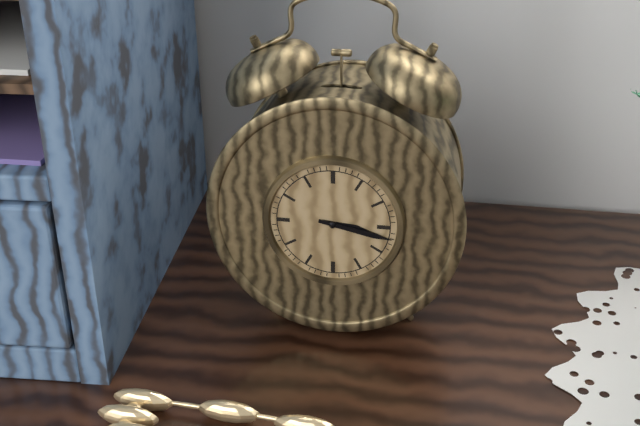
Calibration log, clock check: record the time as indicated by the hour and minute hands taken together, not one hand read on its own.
3:17
